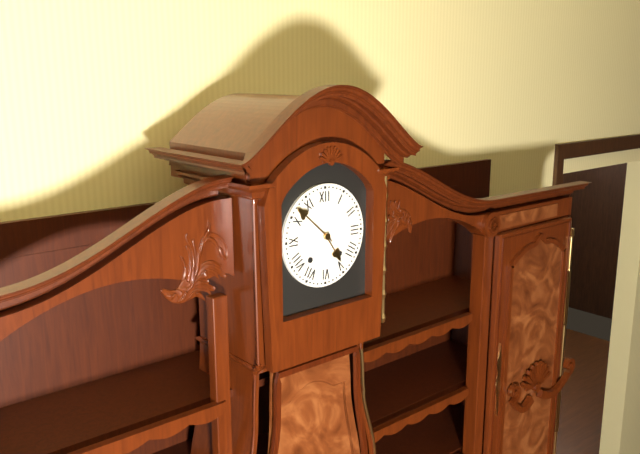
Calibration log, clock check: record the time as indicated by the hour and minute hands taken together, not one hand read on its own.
4:52
